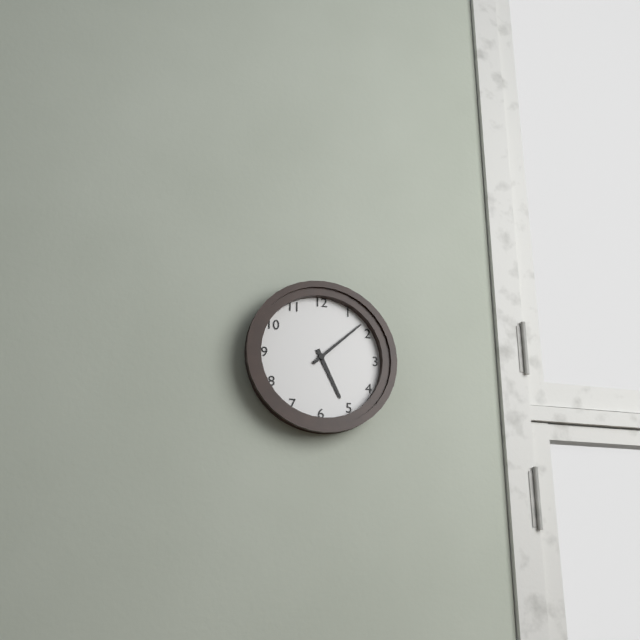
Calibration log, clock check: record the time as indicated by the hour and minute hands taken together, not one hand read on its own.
5:08
